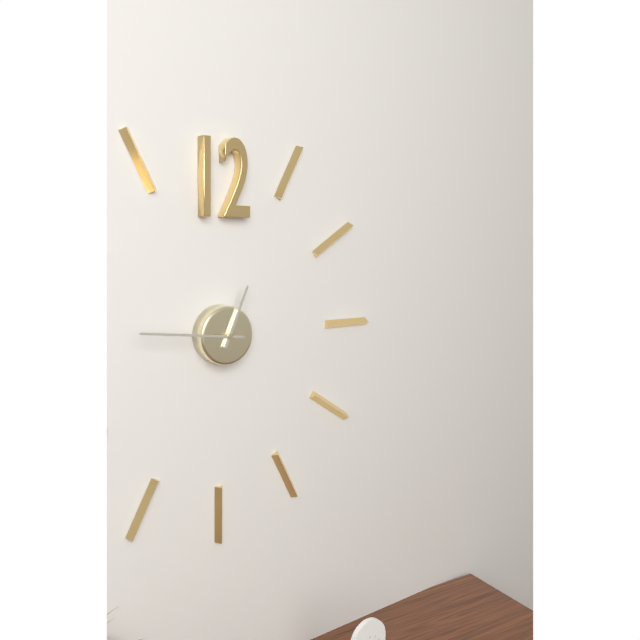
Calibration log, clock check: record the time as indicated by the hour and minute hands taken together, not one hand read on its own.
12:46
